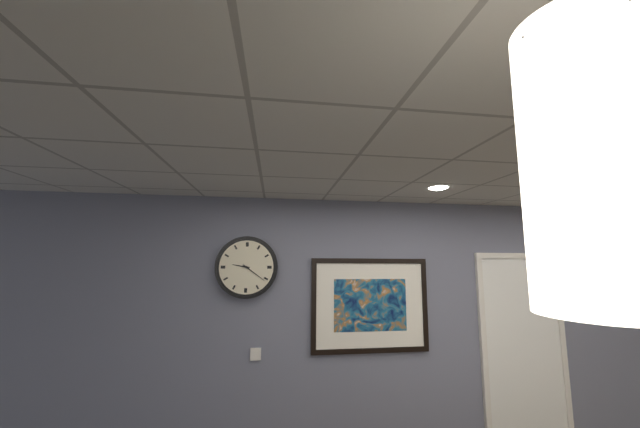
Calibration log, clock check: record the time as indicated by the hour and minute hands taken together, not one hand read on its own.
9:21
